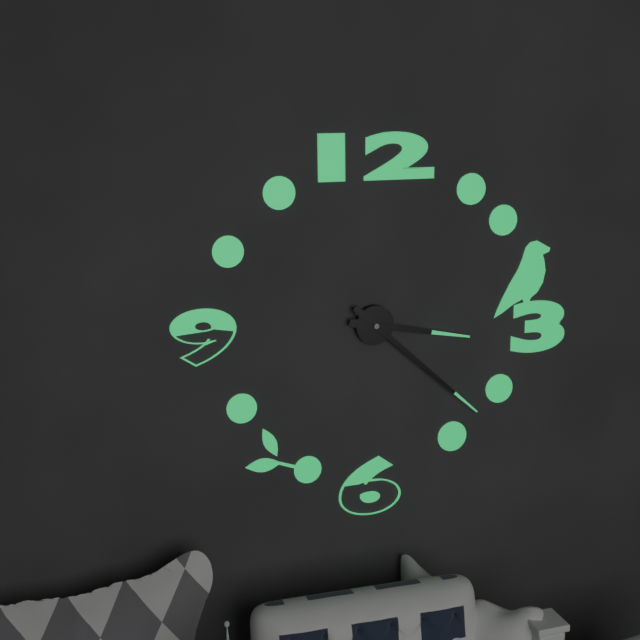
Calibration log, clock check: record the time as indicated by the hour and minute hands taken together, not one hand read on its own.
3:22
